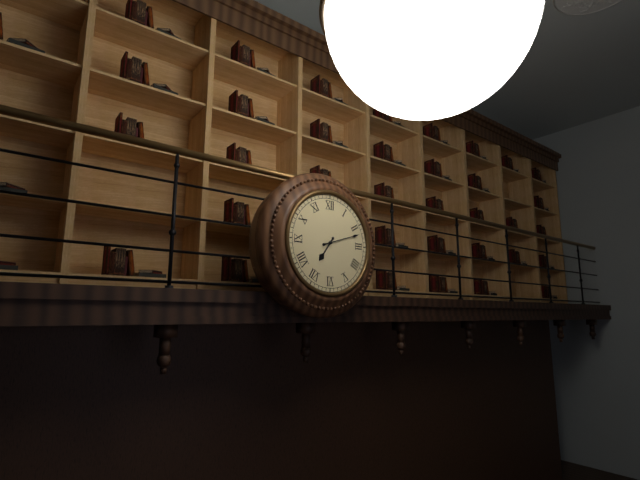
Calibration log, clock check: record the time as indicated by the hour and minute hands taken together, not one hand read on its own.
7:12
